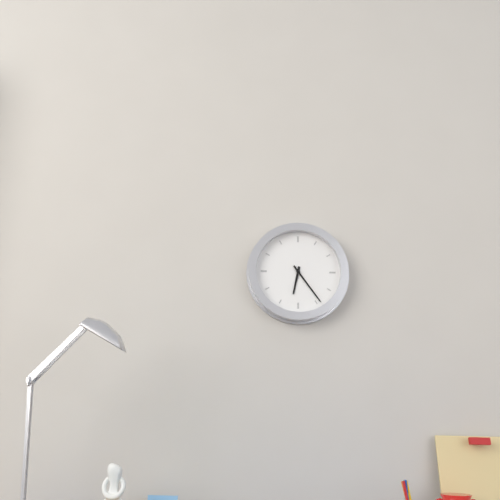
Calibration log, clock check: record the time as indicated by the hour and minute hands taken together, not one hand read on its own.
6:24
